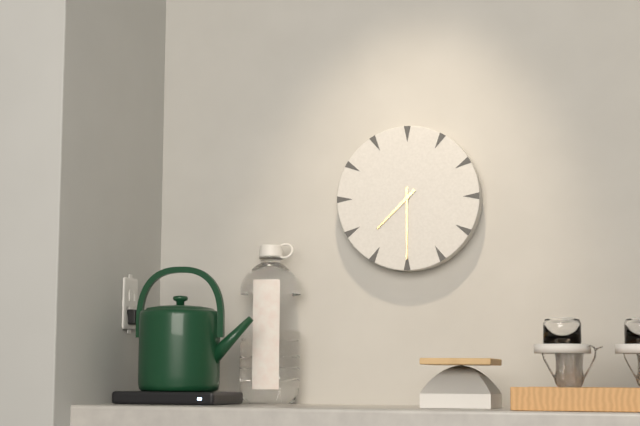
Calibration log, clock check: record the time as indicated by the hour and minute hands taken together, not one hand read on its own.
7:30
